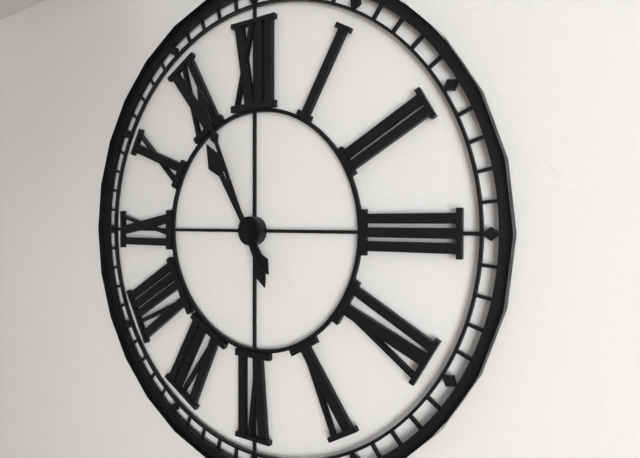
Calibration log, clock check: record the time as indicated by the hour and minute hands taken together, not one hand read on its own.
10:56
